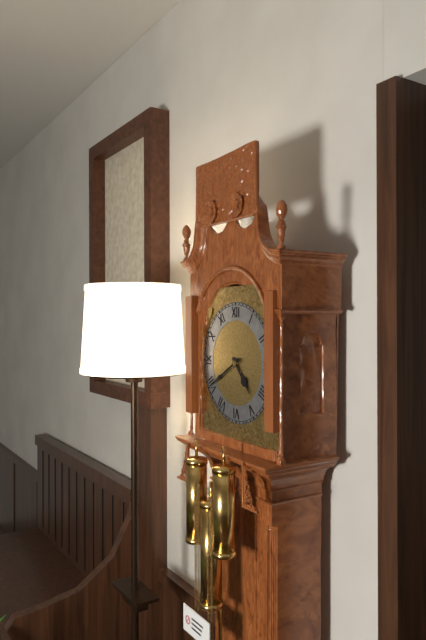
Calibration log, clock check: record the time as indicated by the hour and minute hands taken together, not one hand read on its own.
4:40
